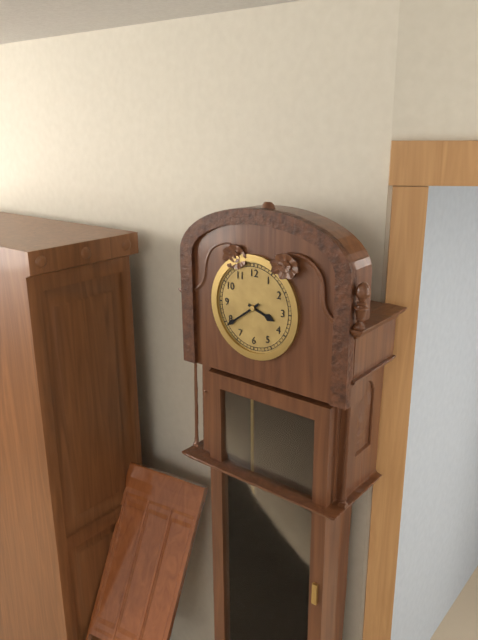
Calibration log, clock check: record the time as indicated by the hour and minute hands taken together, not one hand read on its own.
3:39
